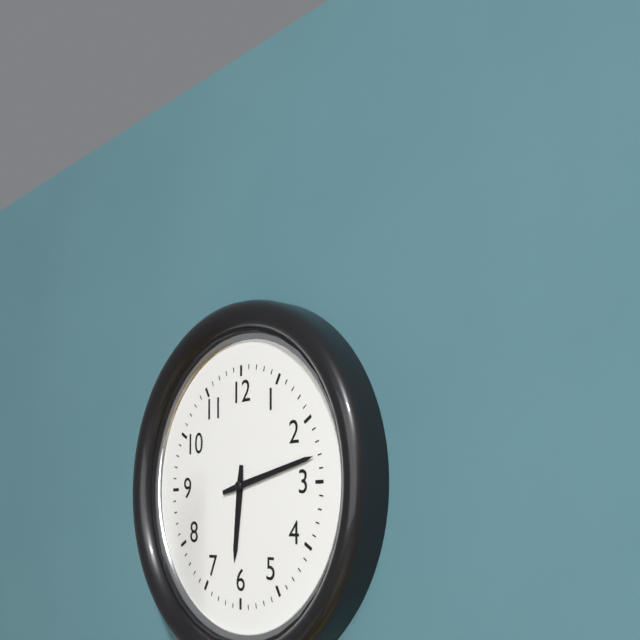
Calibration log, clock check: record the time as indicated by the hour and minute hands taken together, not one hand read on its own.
6:13
